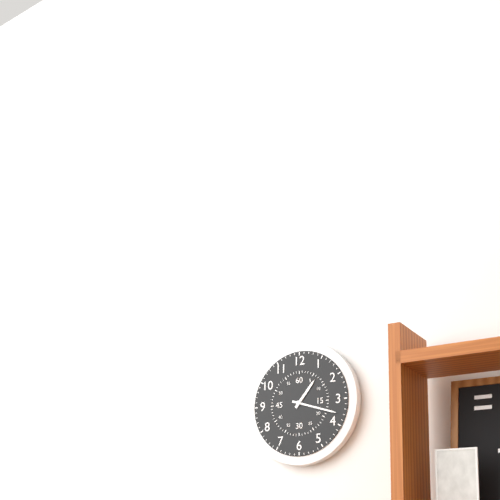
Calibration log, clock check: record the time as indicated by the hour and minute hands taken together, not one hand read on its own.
1:18
